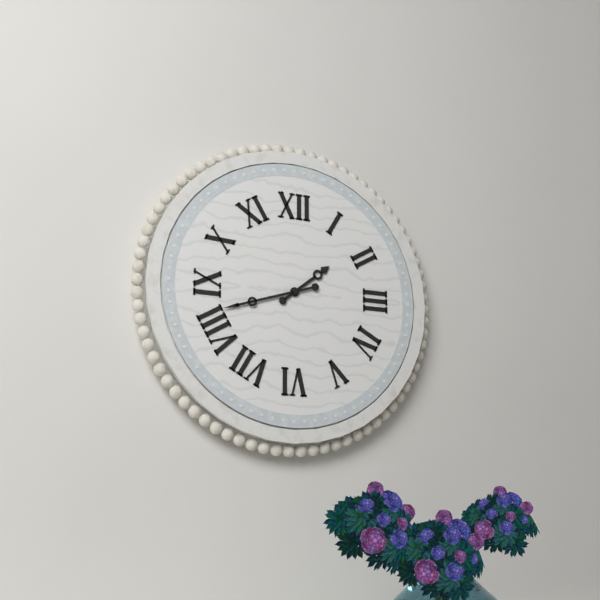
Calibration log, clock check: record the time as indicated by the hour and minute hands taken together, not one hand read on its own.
1:42
